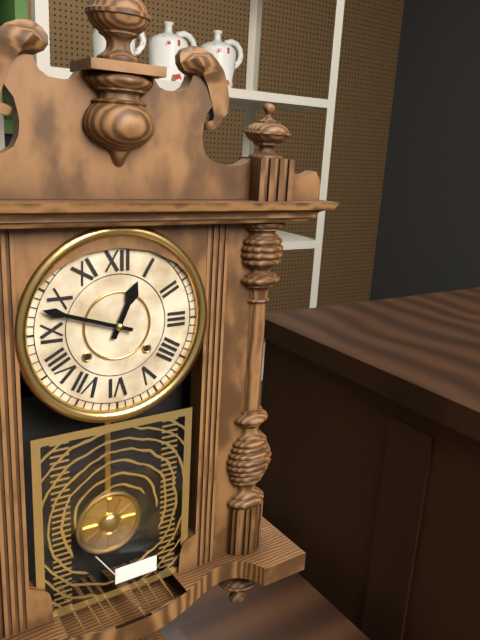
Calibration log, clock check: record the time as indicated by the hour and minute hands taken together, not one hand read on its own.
12:48
